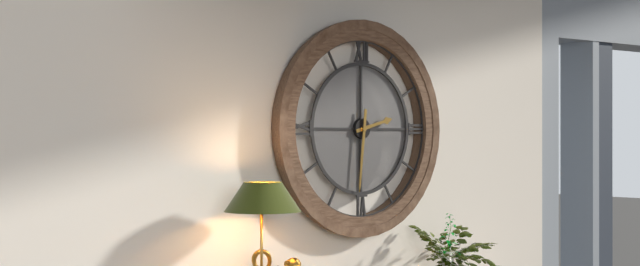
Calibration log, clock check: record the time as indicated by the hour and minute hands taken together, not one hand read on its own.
2:31
